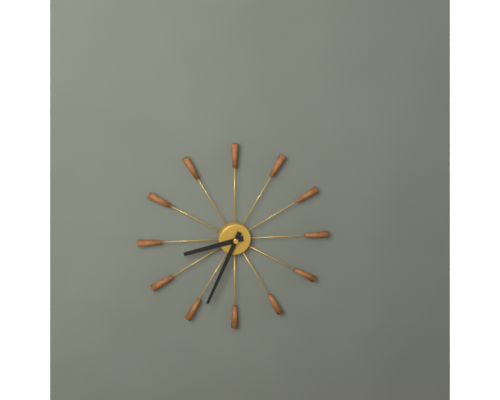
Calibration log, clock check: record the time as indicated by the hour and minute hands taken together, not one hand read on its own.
8:34
